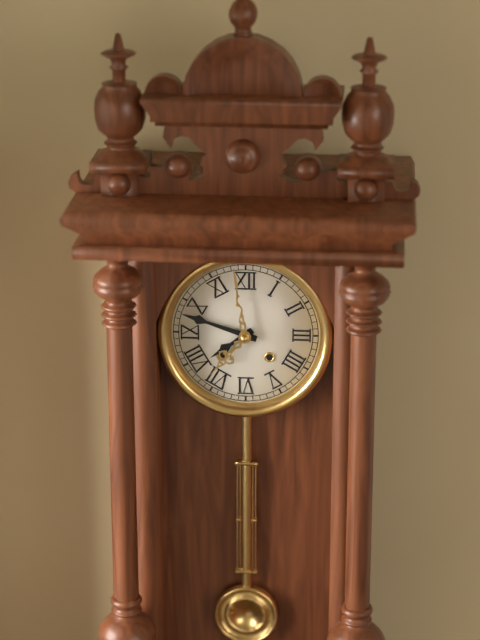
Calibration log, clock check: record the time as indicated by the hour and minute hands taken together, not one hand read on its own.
7:48
